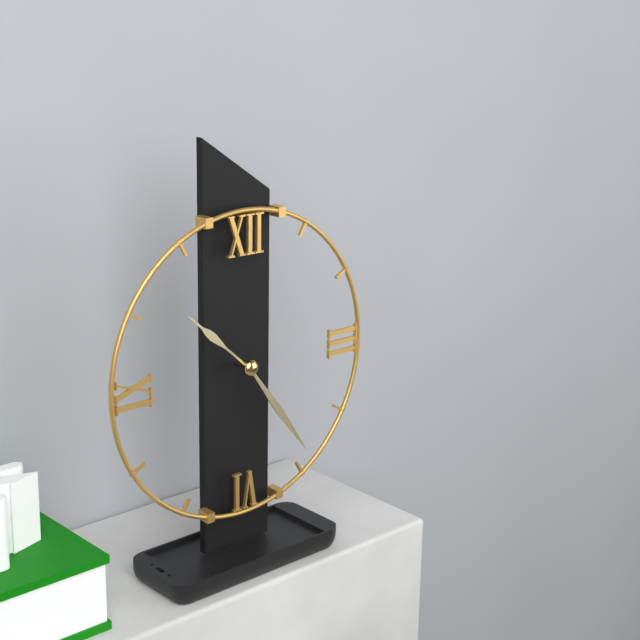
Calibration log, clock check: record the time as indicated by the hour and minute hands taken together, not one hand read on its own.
10:24
